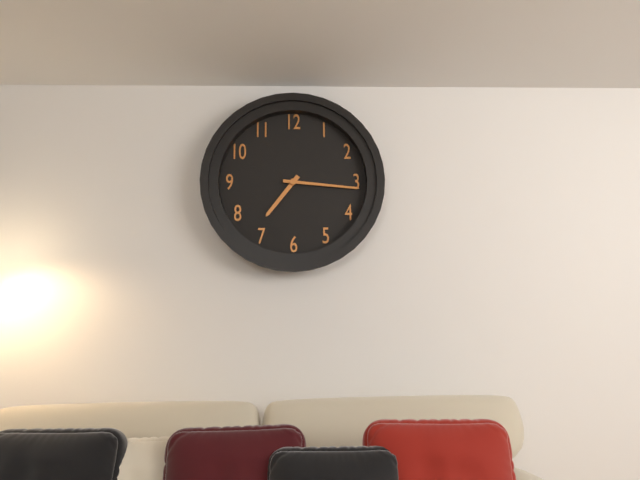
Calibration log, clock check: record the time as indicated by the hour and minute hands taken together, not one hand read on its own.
7:16
